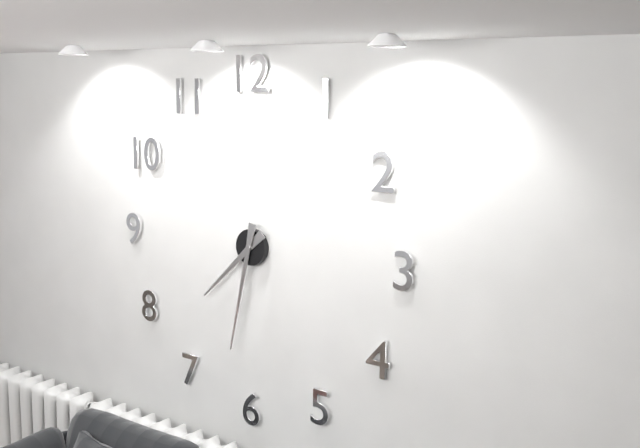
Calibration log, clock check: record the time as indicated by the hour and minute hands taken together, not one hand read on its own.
7:32
